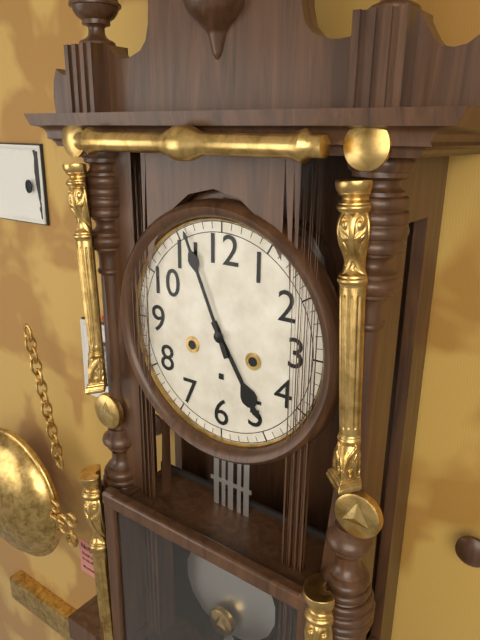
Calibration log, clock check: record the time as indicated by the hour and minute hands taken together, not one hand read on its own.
4:56
